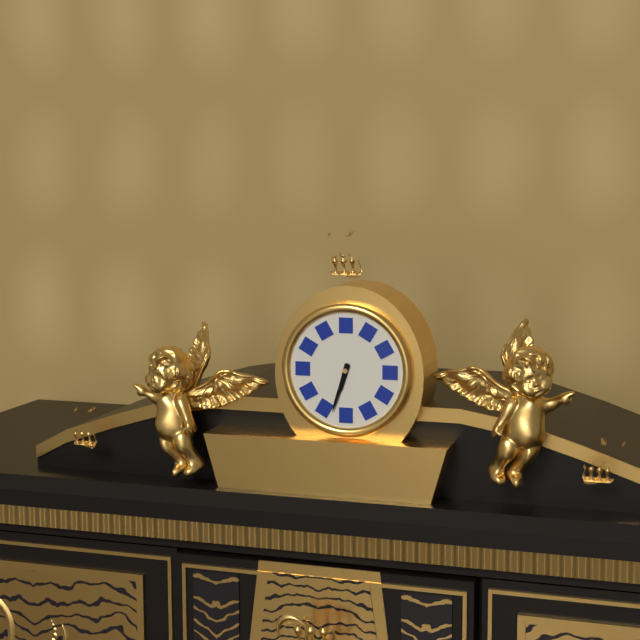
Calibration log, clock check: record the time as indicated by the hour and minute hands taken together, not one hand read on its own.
6:33
